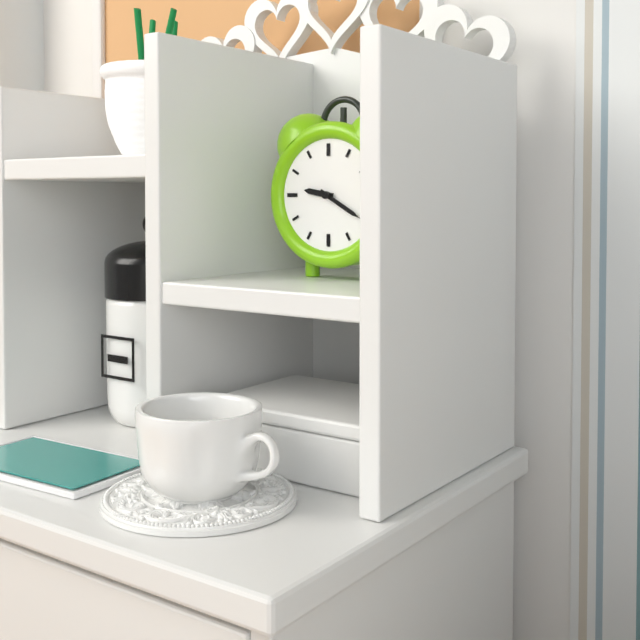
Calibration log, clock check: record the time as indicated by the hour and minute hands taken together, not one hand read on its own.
9:20
